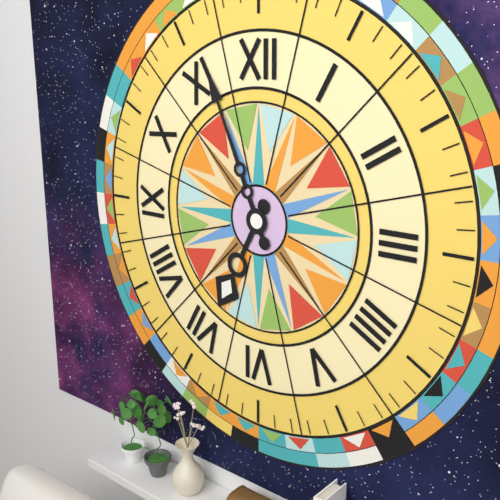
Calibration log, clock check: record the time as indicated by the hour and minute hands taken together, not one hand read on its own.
6:56
